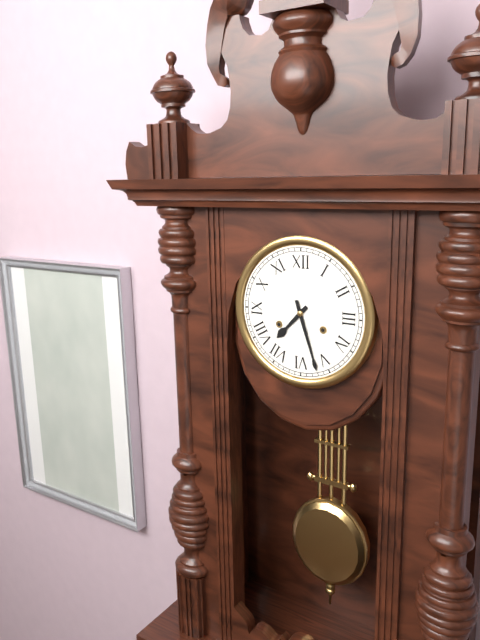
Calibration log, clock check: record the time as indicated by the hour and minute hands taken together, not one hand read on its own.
7:27
